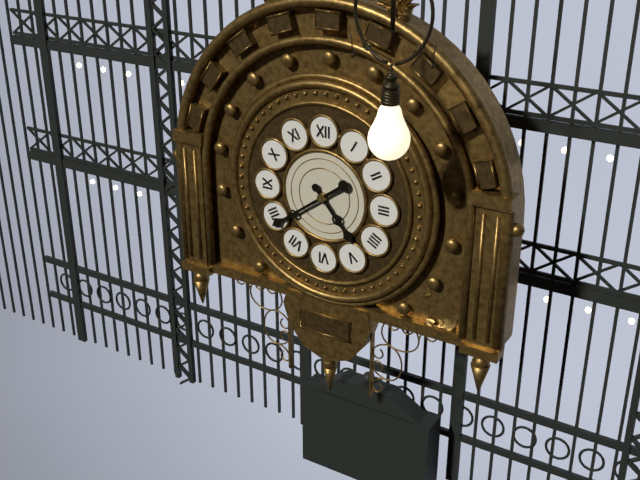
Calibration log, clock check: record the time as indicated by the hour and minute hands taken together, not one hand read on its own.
4:39
